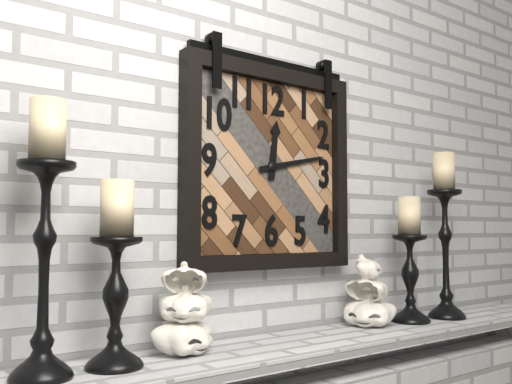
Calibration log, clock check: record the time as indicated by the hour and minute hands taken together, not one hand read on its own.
12:13
